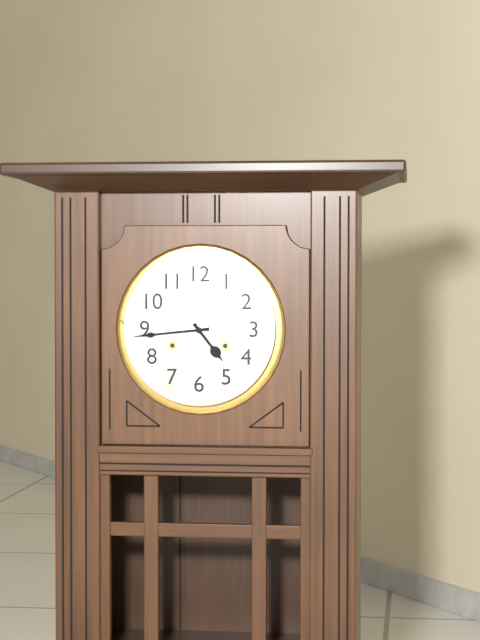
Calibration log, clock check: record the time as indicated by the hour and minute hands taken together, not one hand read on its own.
4:44
